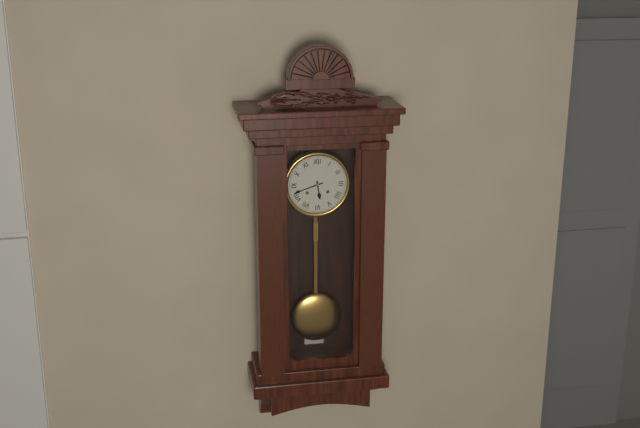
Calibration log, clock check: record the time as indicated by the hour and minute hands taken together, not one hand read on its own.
5:42
